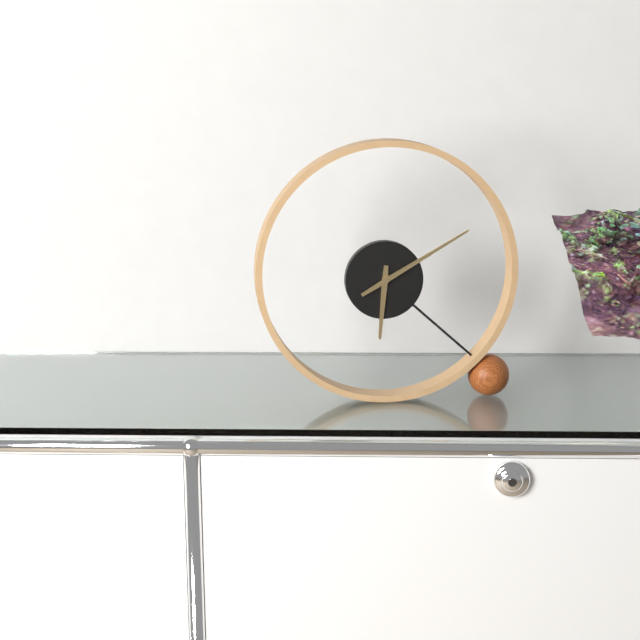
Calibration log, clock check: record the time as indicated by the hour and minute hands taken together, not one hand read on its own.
6:10
